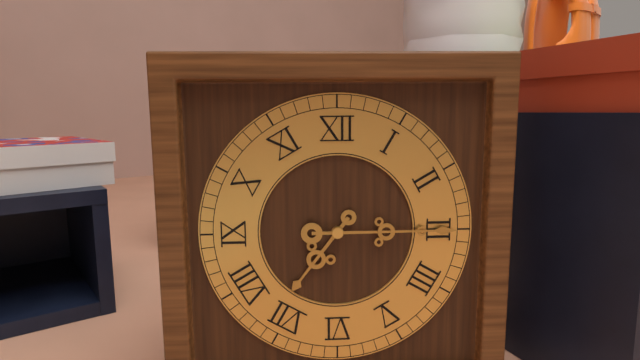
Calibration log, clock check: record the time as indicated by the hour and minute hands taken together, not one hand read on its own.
7:15
